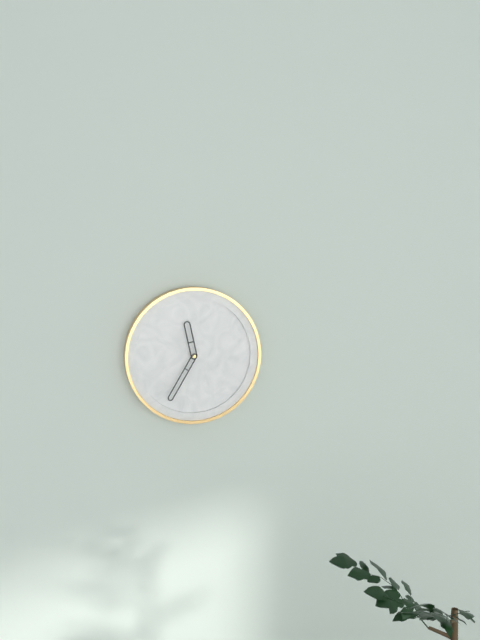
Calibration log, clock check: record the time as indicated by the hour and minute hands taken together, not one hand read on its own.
11:35
